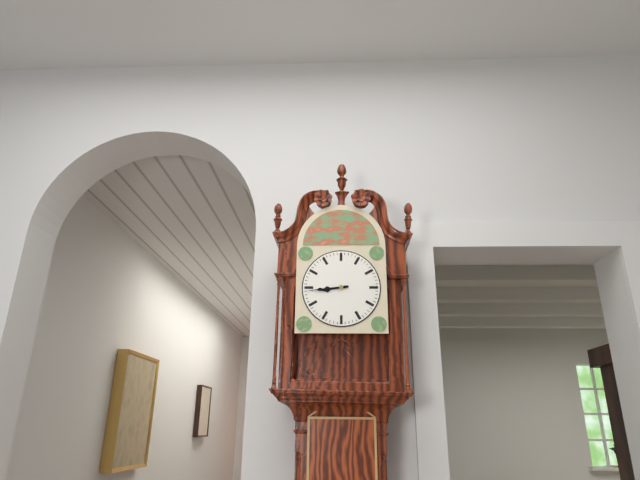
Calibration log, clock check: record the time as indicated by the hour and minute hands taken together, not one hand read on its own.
8:44
